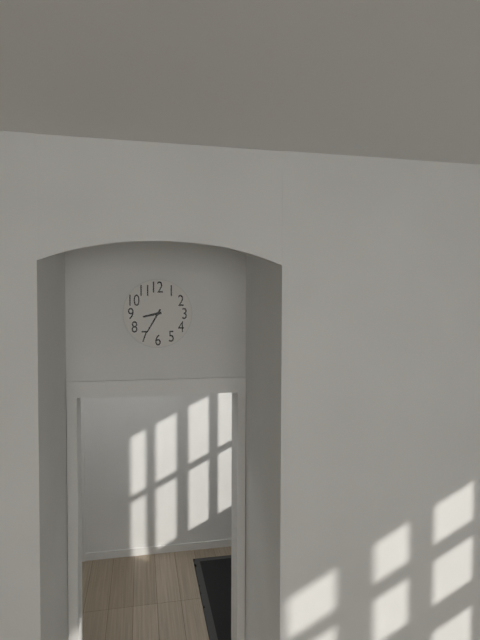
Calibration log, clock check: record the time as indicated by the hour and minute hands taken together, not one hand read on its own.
8:35
